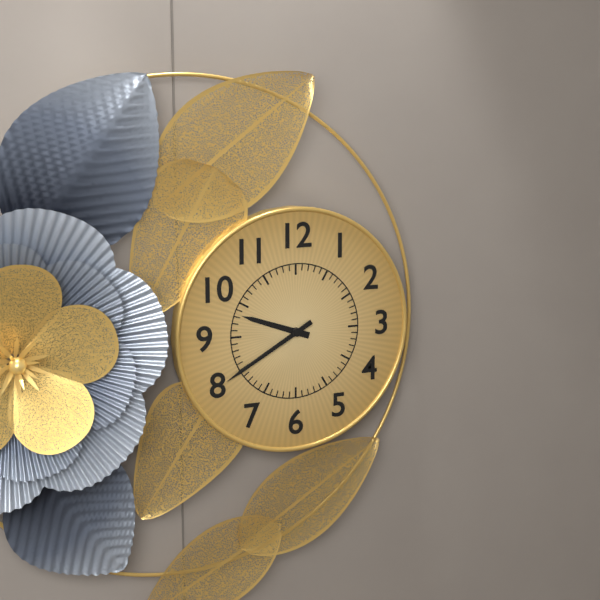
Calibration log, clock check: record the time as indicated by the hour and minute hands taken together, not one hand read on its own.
9:40
